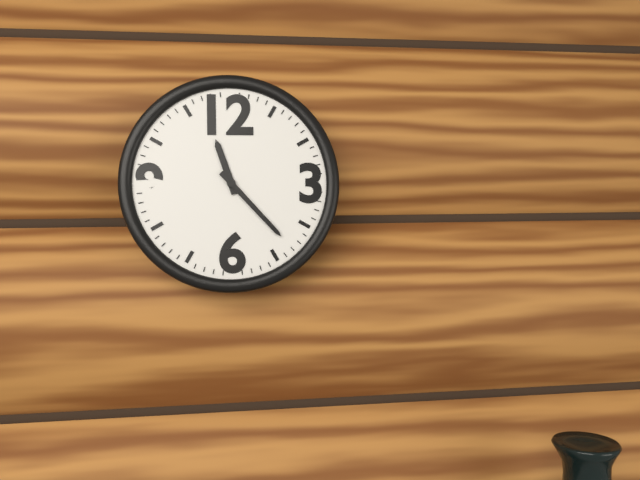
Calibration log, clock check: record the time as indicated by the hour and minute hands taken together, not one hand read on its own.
11:23
